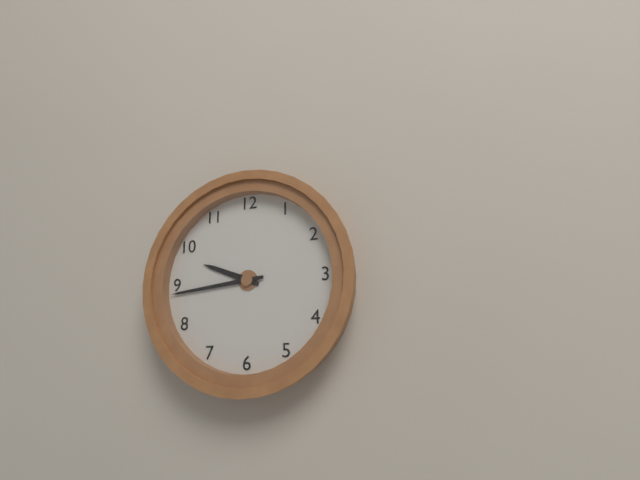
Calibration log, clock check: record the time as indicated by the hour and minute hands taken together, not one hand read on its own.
9:44
